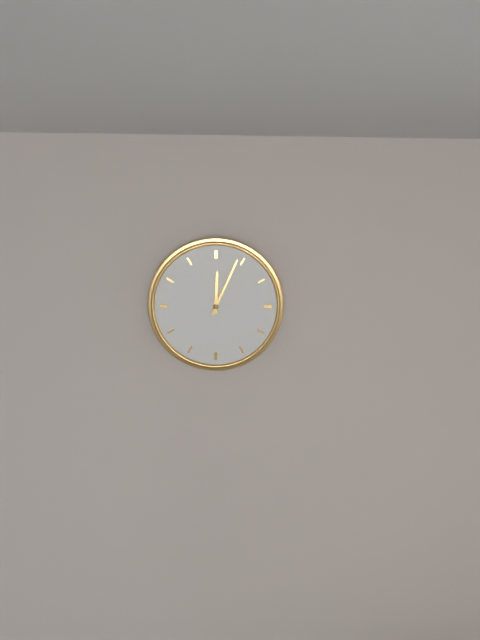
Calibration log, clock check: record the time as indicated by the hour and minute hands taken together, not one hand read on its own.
12:04
